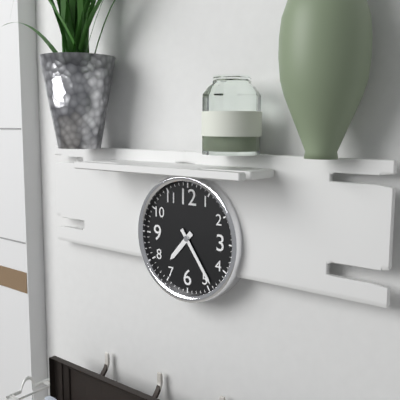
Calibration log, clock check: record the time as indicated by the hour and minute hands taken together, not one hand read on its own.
7:24
